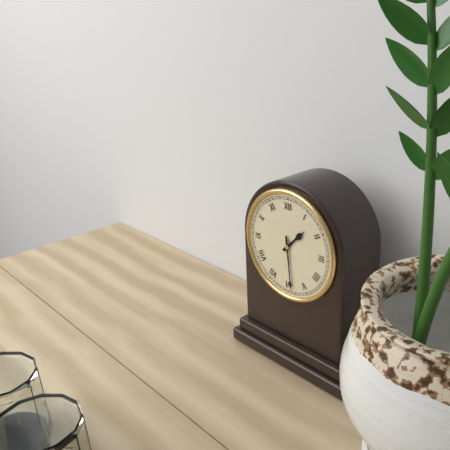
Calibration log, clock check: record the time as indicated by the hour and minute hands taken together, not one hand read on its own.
1:29
